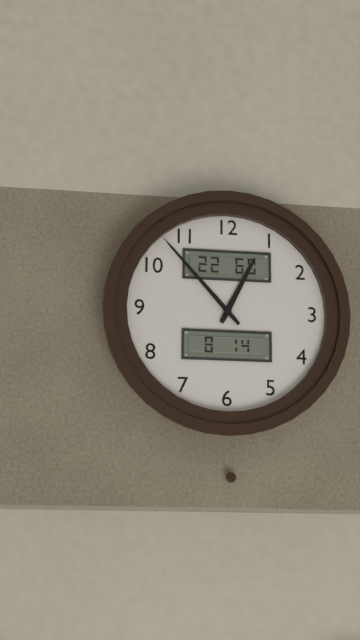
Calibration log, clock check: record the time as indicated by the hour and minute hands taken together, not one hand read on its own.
12:53
